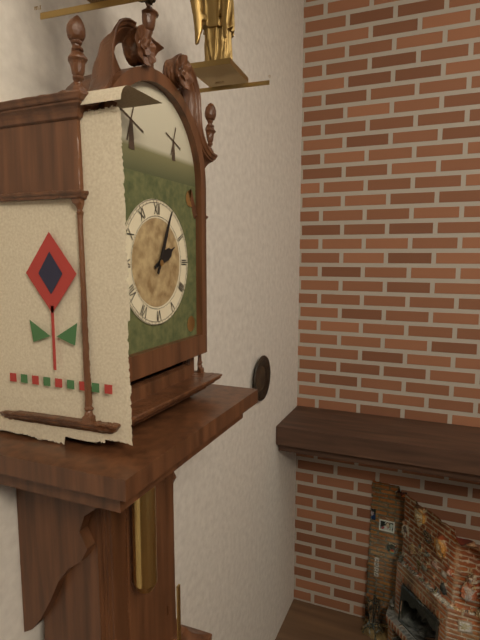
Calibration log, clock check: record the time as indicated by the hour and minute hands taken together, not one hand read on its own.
2:04
